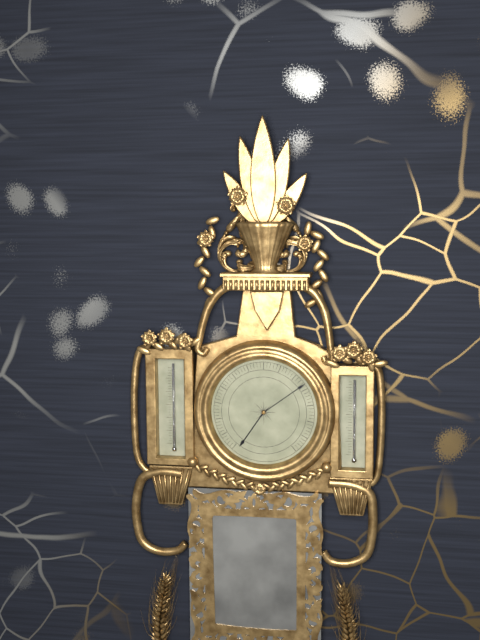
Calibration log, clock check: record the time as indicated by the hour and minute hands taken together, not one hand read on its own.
7:09
